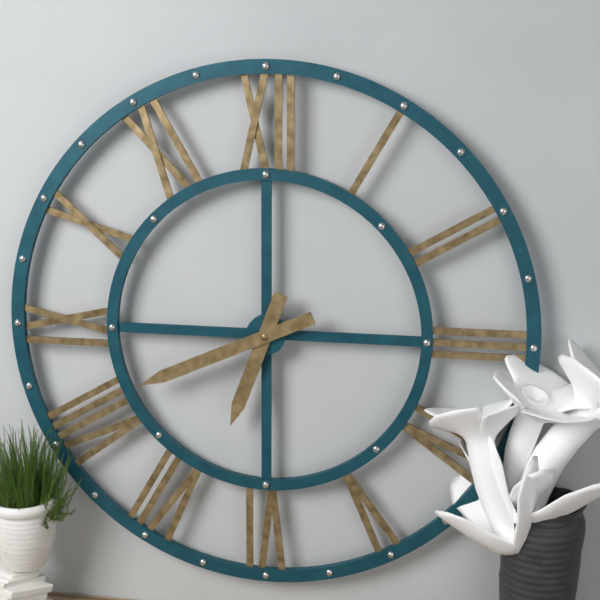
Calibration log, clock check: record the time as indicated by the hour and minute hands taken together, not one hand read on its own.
6:41
